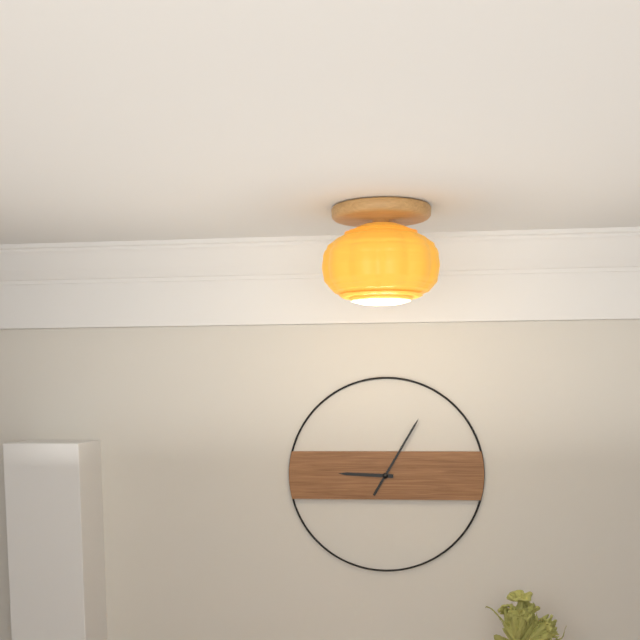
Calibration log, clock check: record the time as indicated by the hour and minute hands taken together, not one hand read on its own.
9:05
